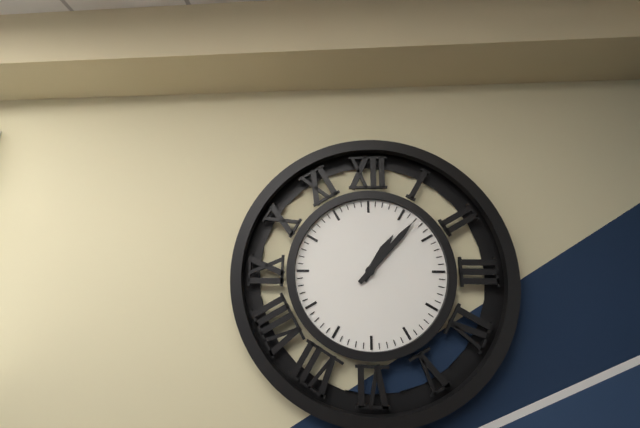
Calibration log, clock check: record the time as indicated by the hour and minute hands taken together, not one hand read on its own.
1:07
